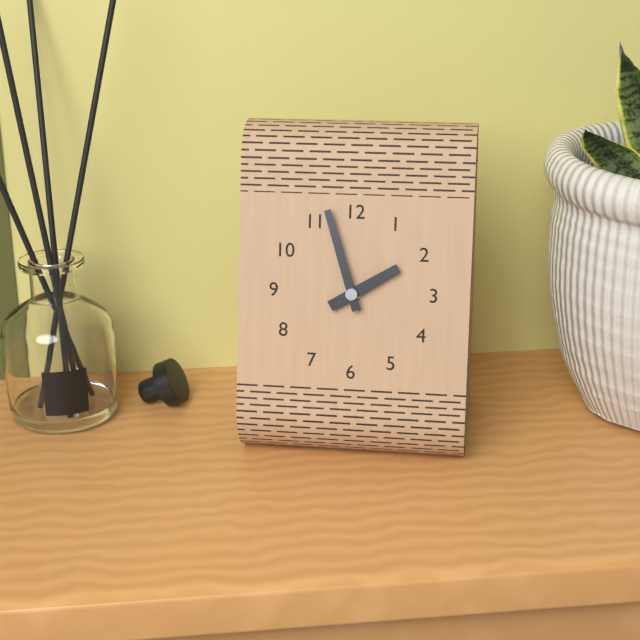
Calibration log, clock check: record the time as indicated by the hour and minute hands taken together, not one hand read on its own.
1:57
